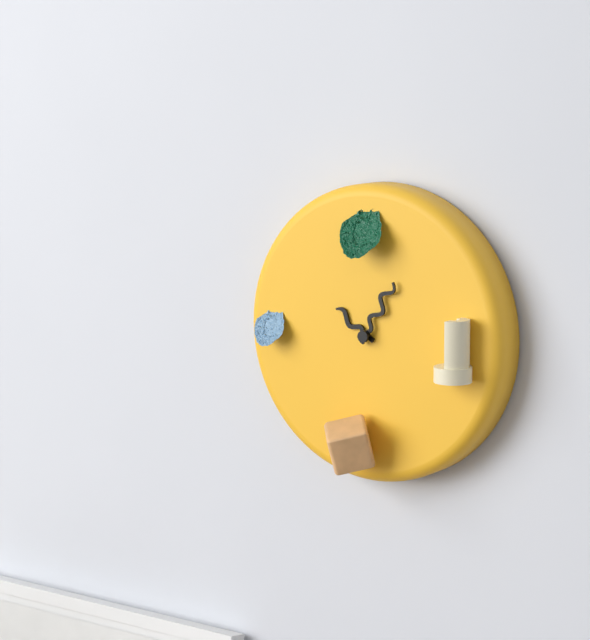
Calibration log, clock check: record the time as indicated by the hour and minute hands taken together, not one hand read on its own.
10:05
